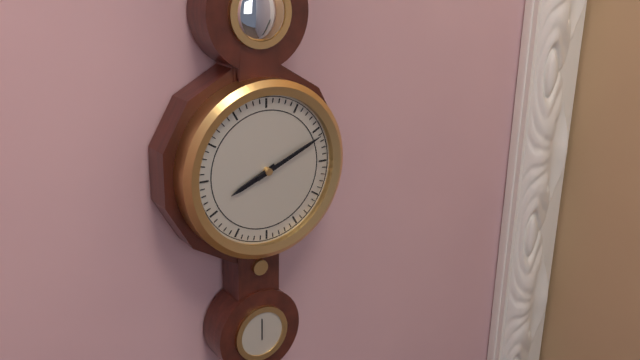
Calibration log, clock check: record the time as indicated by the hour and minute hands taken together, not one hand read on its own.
8:11
